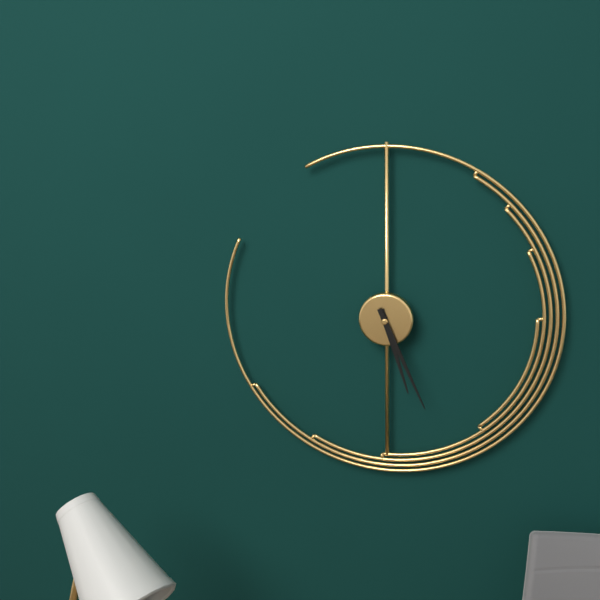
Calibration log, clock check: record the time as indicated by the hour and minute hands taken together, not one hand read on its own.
5:26
